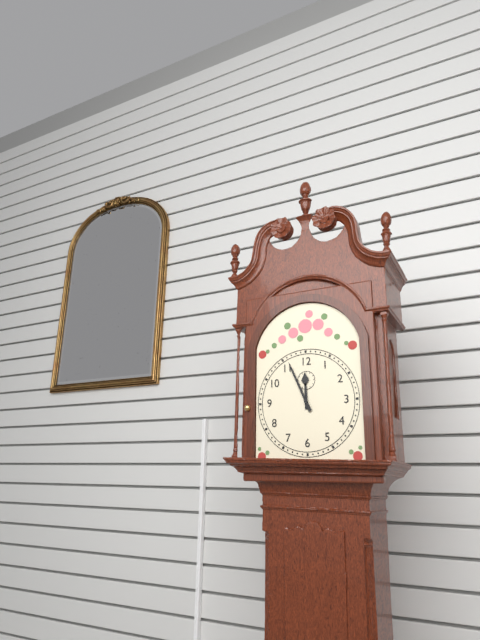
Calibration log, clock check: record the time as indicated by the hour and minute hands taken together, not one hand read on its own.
11:56
